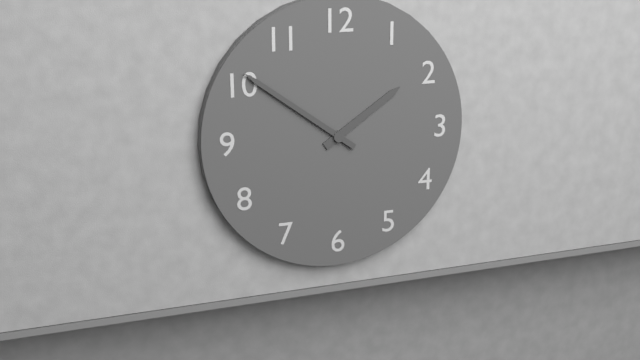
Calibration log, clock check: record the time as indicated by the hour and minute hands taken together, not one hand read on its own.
1:51
